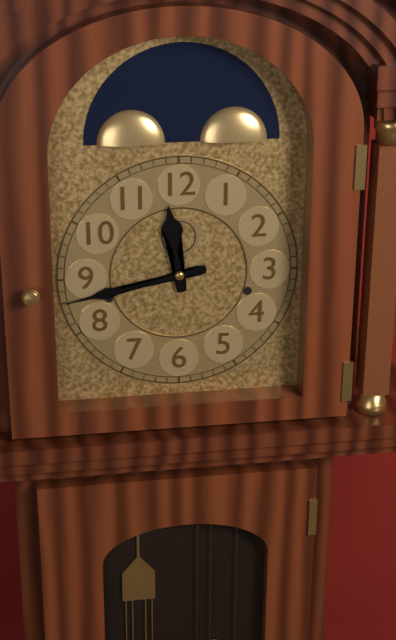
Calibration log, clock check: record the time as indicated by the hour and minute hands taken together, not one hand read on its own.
11:43
